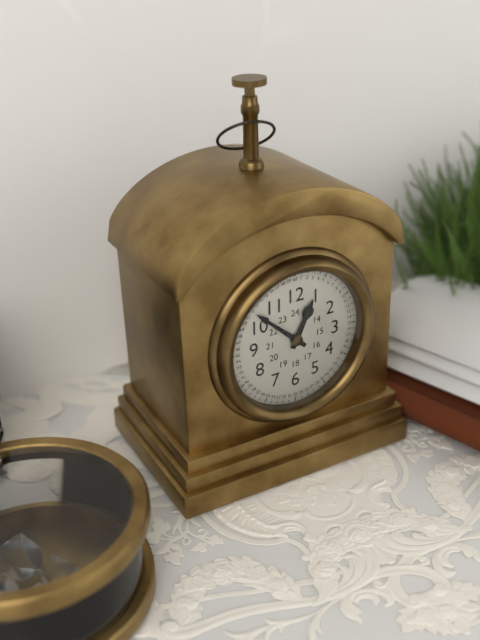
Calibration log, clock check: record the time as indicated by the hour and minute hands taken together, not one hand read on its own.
12:52
